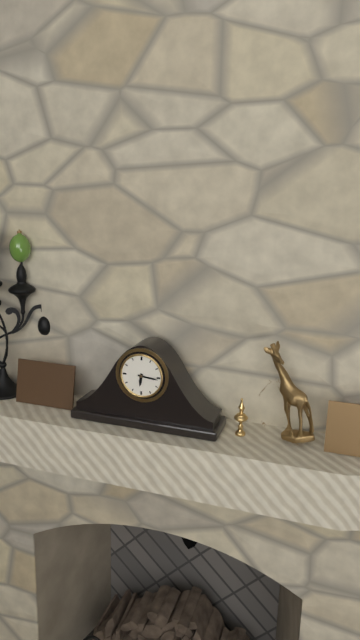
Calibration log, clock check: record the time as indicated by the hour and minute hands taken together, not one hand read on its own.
6:16
